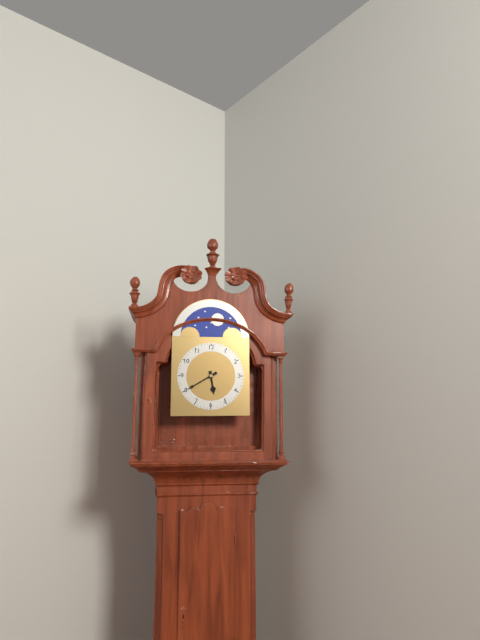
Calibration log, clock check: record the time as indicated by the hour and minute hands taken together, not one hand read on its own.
5:40
